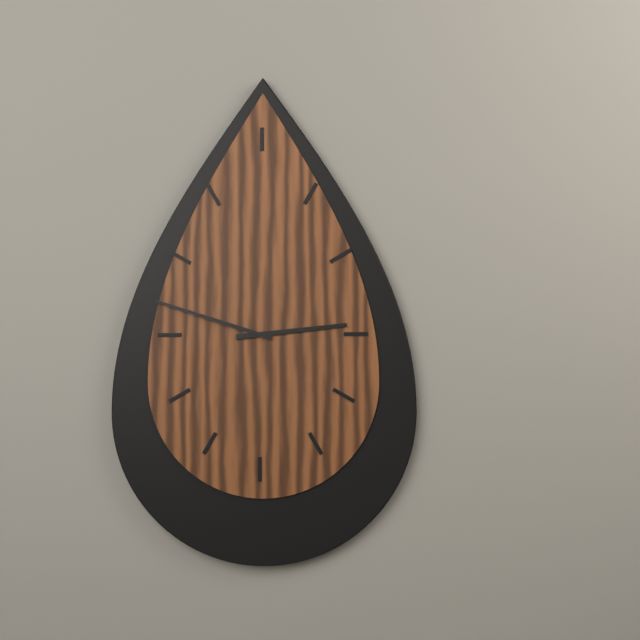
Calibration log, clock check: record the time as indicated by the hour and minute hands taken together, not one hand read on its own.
2:48
